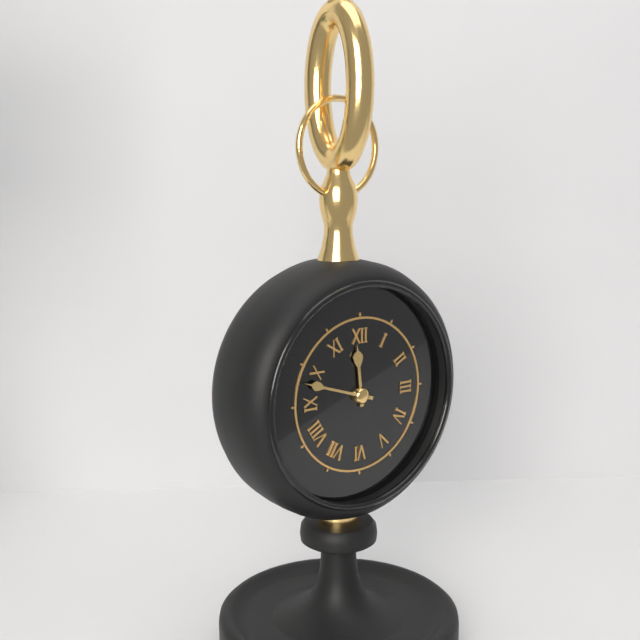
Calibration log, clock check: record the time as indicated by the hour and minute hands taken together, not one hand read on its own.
11:48
